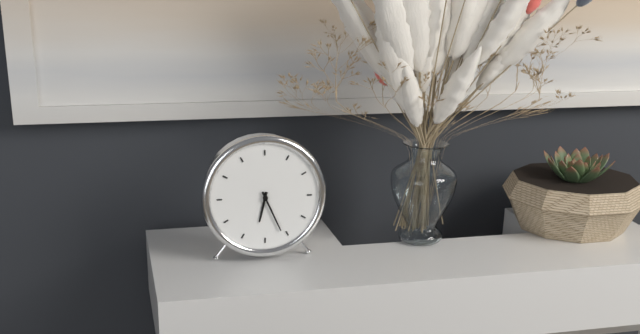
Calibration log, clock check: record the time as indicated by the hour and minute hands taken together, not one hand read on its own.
6:26
